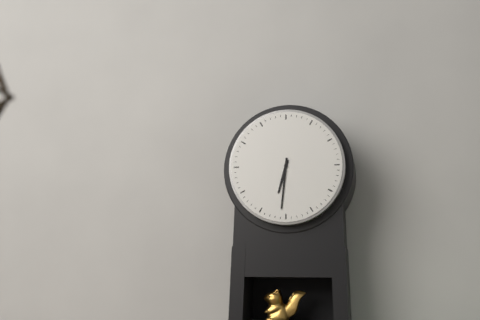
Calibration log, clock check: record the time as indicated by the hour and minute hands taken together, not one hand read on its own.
6:31
